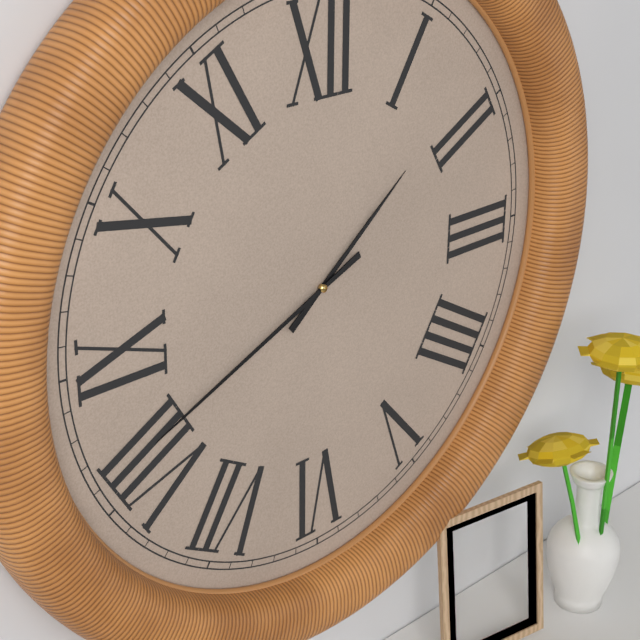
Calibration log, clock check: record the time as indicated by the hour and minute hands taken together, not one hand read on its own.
1:41
